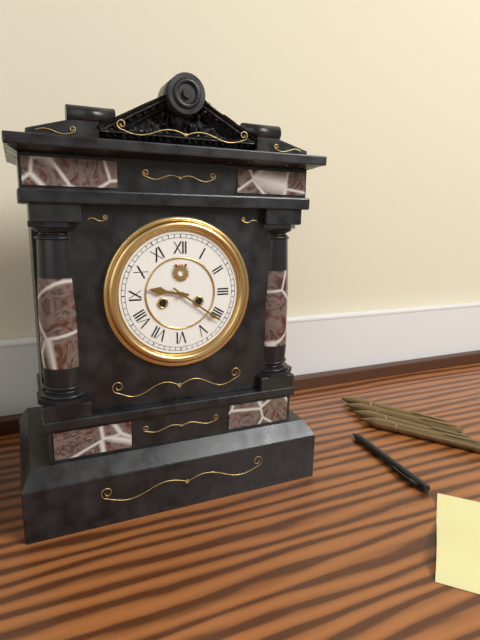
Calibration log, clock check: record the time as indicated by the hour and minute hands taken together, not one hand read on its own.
9:21
